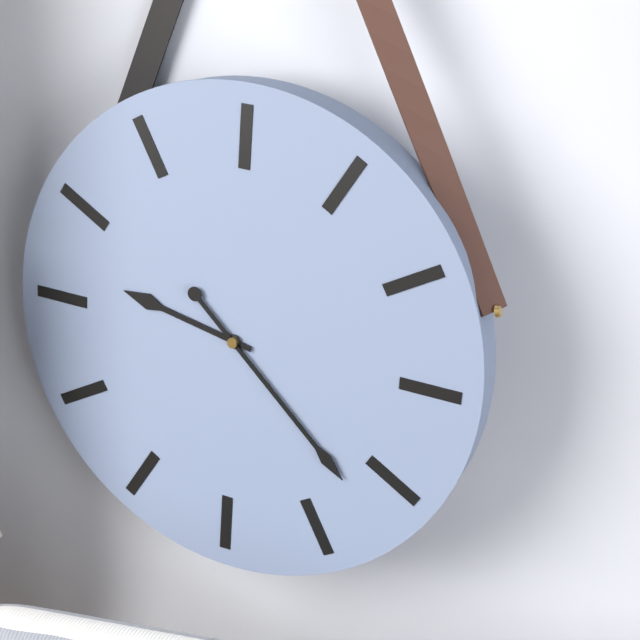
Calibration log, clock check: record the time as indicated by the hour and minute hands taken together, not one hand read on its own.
9:22
